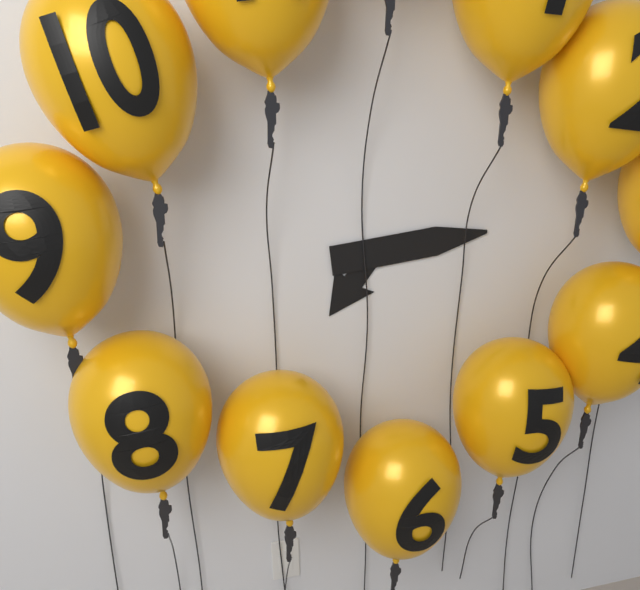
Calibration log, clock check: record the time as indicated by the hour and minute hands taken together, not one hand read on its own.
7:14
